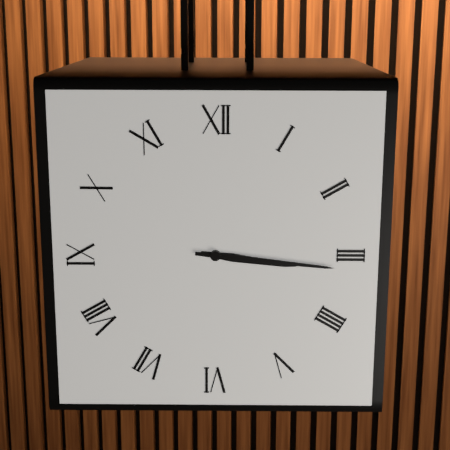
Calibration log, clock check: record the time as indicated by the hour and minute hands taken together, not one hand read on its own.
3:16
